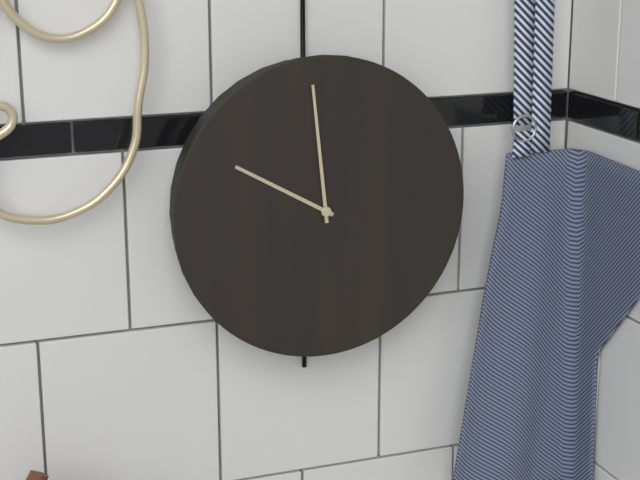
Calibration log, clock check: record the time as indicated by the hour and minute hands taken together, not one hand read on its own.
9:59
